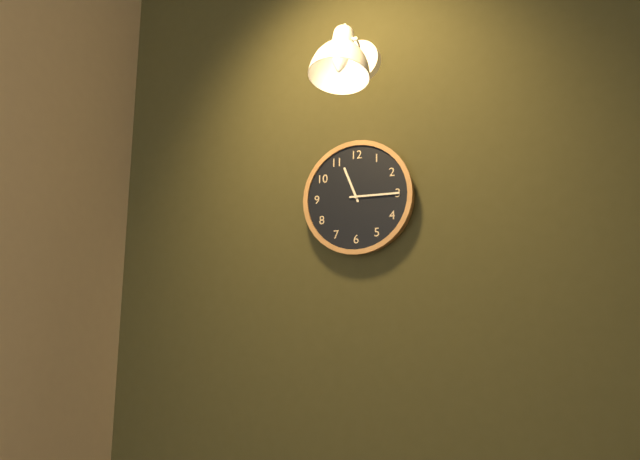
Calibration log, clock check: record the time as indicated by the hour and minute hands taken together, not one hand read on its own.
11:15
